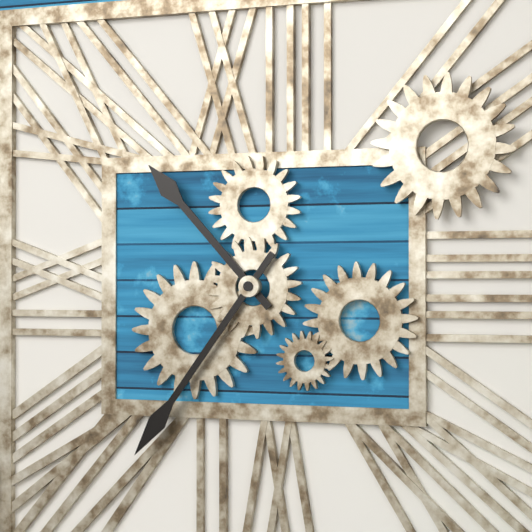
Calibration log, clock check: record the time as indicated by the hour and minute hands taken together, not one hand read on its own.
10:36
